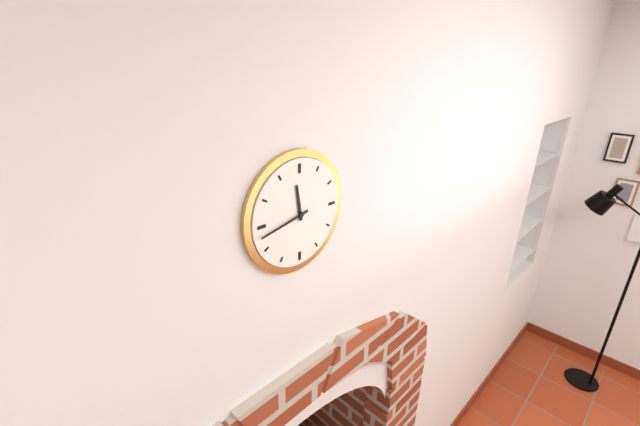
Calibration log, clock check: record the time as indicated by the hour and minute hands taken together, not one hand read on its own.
11:43
